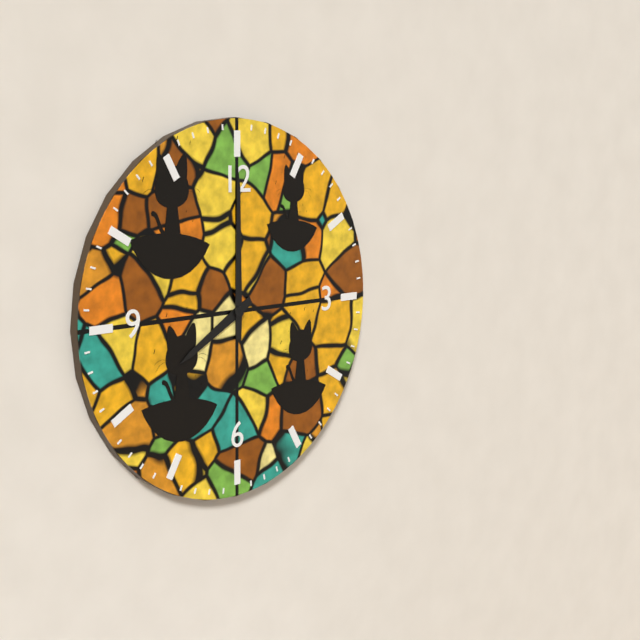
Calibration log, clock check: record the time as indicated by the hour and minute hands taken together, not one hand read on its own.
8:00
